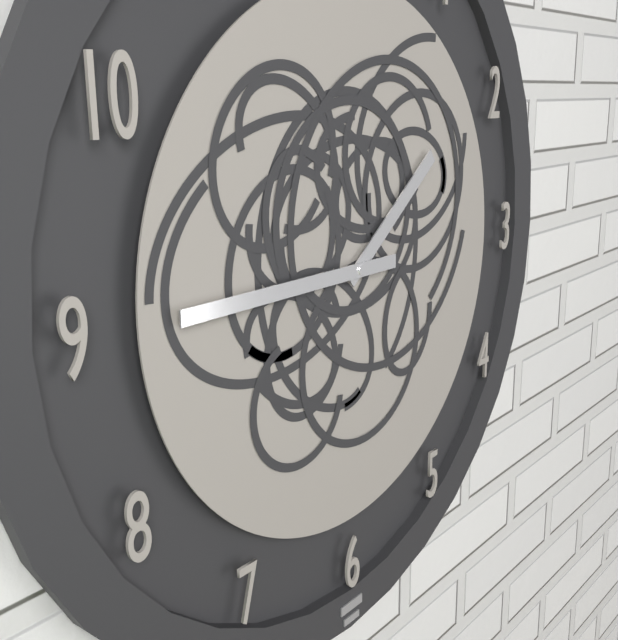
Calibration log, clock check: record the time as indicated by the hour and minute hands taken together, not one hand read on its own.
1:45
